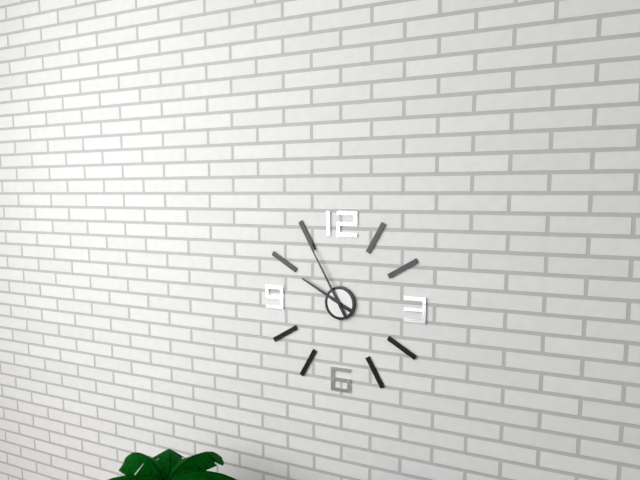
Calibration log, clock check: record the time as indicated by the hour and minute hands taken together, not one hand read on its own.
9:55
